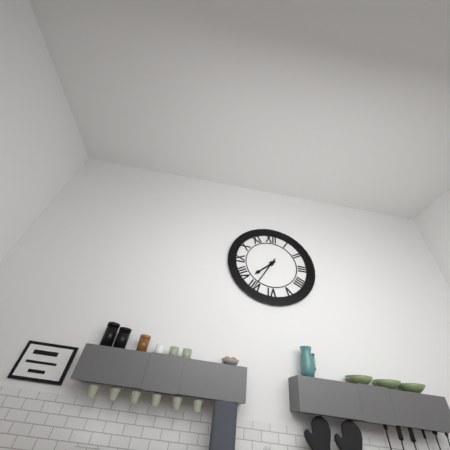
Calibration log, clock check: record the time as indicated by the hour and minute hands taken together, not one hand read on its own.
7:35
